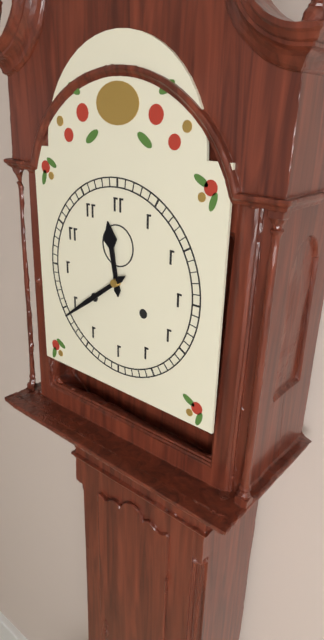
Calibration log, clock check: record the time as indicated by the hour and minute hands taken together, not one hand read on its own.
11:39
